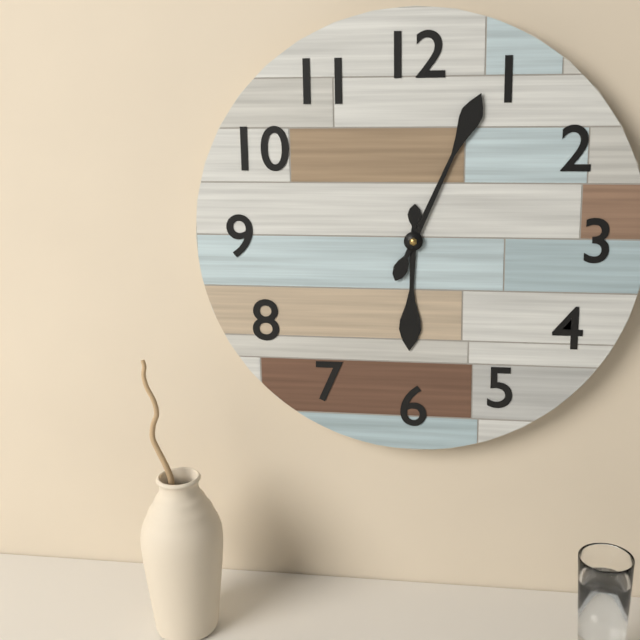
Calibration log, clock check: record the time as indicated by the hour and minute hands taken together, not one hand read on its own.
6:04
